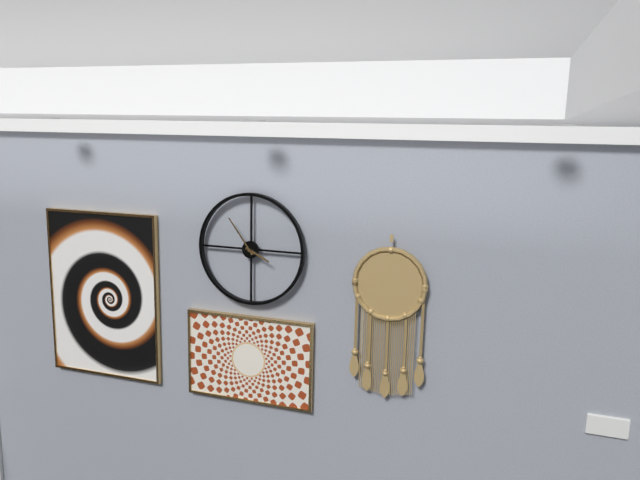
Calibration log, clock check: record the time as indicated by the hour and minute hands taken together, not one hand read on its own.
3:54
